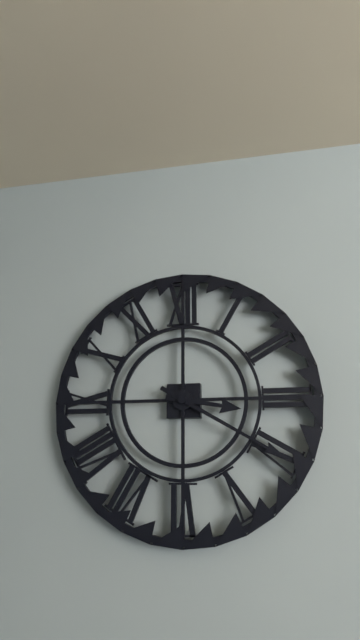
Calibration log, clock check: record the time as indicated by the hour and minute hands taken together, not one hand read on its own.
3:20
